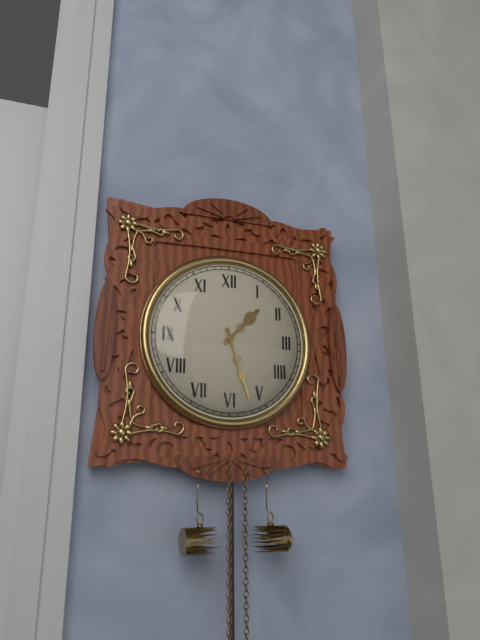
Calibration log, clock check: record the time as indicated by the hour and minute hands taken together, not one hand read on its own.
1:27
